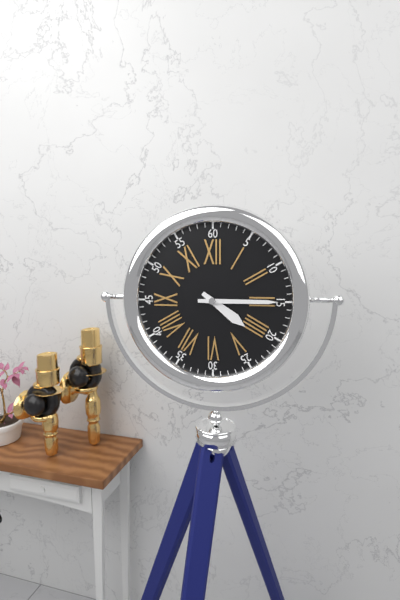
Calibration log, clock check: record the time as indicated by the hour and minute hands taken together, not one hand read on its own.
4:15
